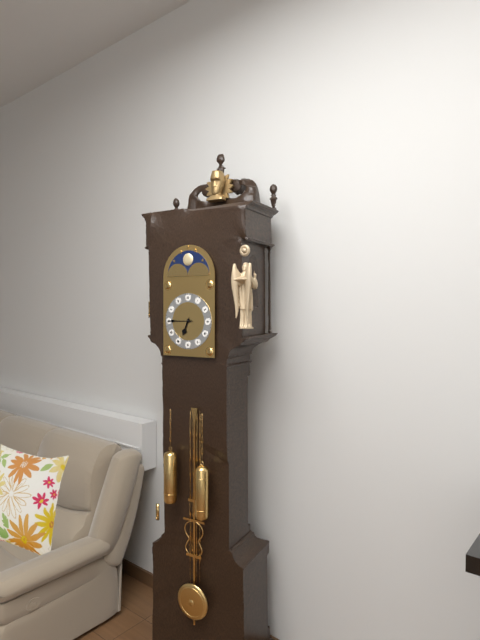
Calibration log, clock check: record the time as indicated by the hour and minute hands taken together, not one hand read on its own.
6:45
